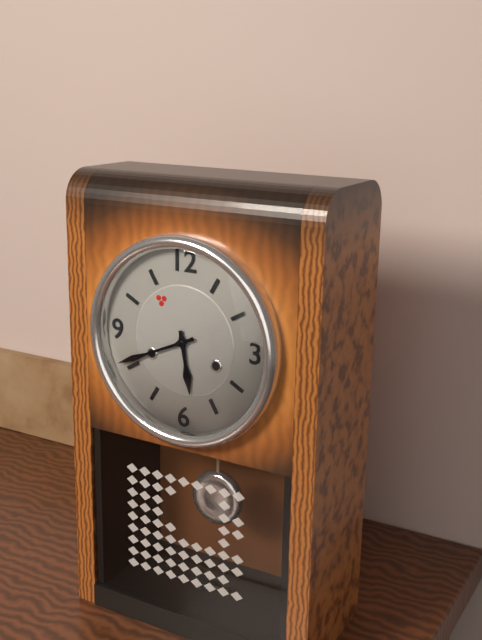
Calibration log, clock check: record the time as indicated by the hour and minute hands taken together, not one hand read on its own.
5:41
